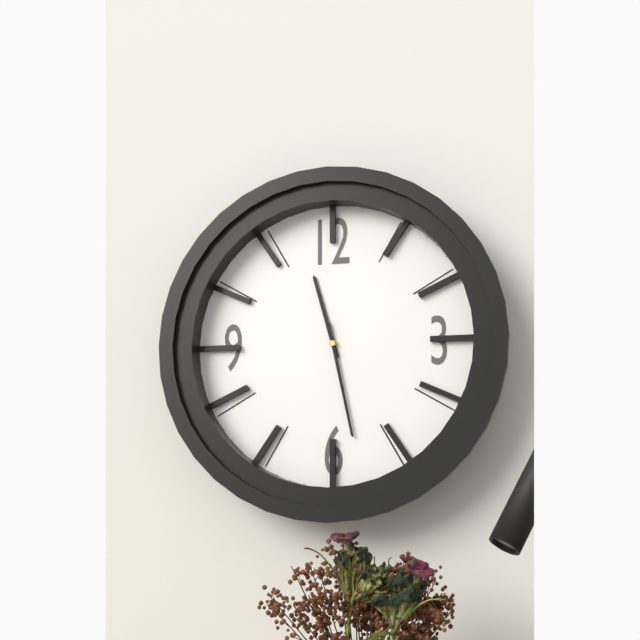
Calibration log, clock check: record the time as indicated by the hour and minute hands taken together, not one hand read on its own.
11:28
